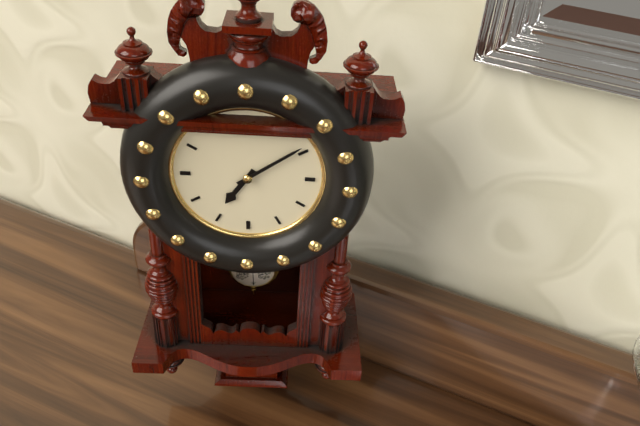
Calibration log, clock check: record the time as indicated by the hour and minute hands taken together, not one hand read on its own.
7:09
